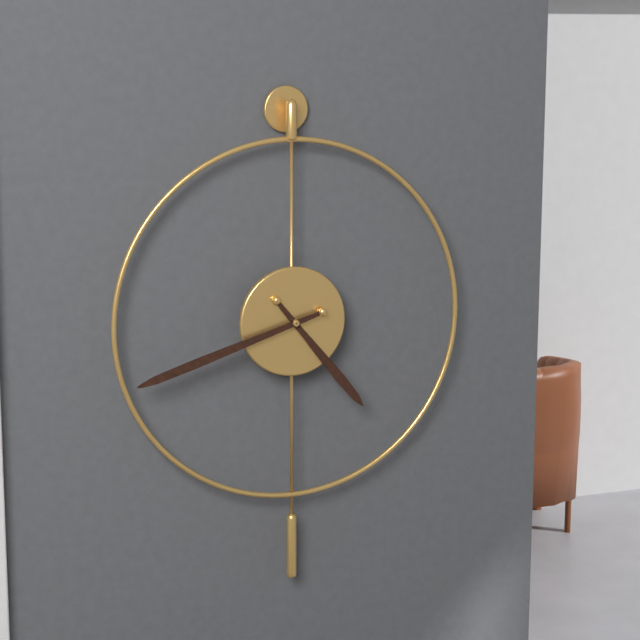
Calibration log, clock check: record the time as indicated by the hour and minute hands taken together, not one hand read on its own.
4:42
